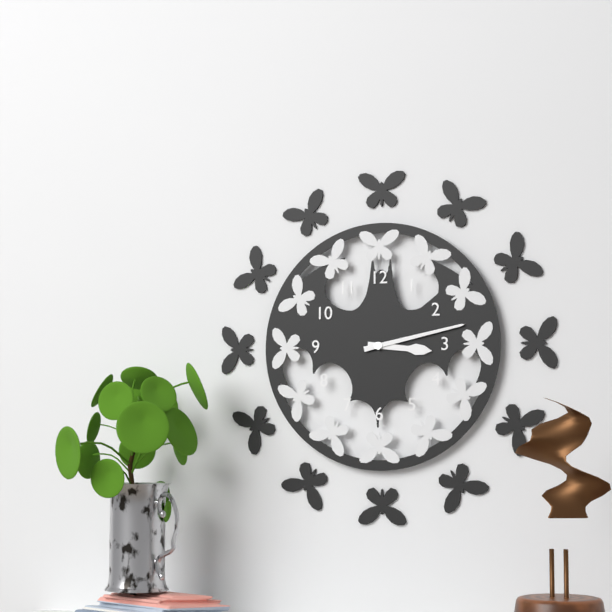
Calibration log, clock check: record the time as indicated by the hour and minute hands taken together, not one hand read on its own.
3:13
